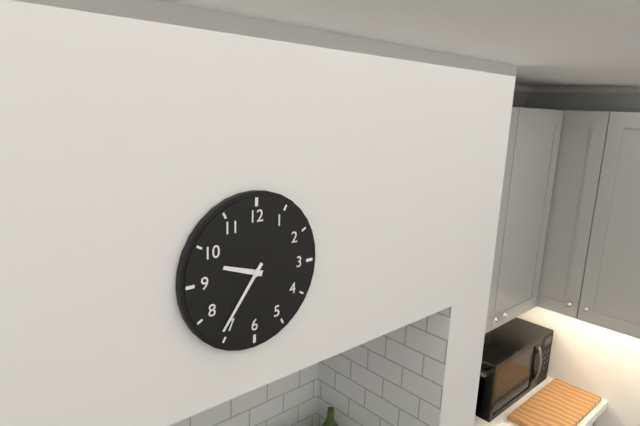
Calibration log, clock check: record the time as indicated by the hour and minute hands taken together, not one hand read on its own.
9:36
